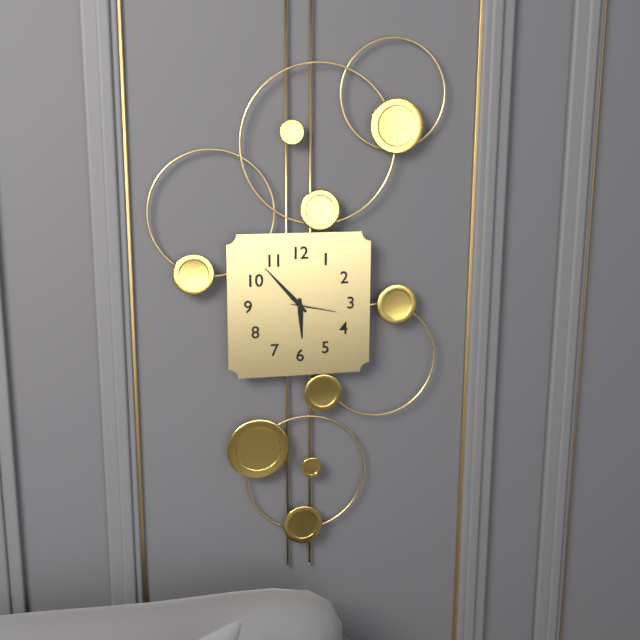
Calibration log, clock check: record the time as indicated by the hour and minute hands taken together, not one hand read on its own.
5:53
